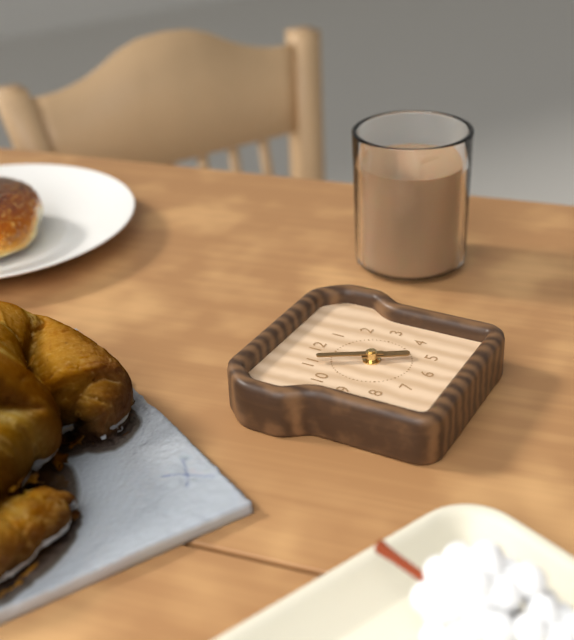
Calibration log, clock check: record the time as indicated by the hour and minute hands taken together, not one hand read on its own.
4:55
